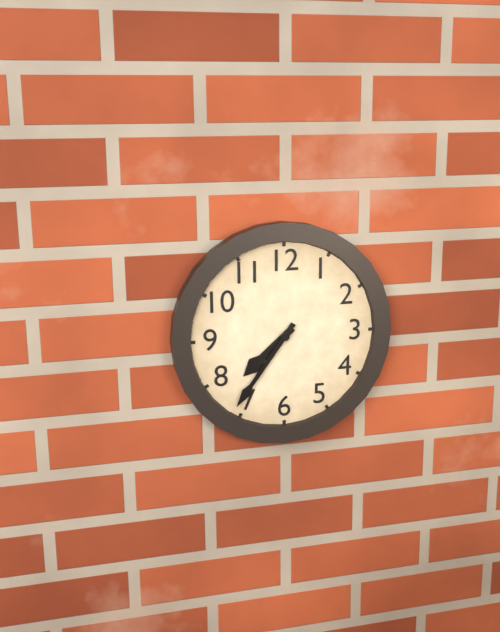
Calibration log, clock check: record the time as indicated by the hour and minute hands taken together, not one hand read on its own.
7:36
